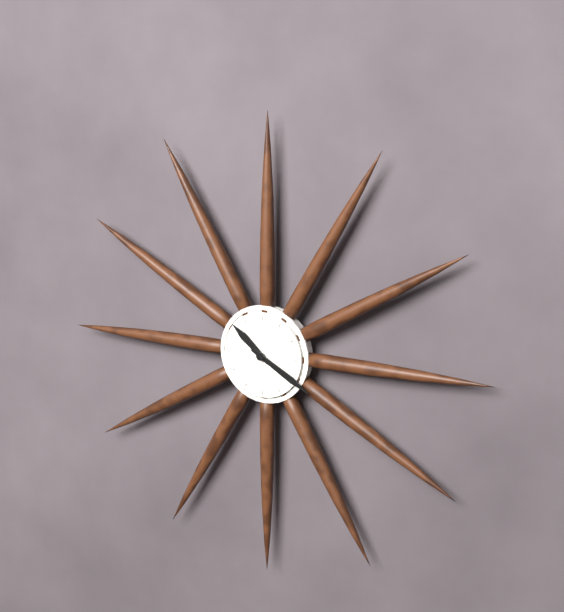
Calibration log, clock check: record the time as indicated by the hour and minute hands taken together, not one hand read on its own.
10:20
